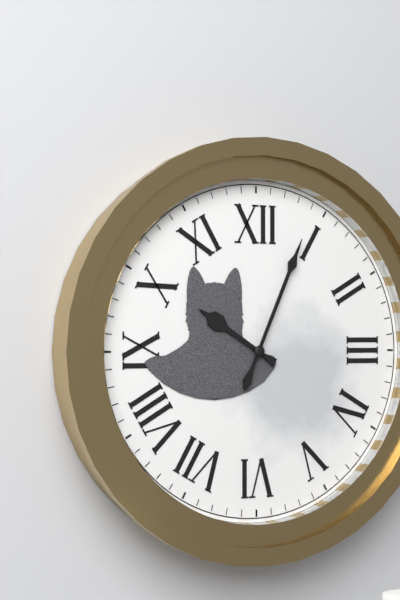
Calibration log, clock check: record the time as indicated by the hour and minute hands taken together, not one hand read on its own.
10:04
